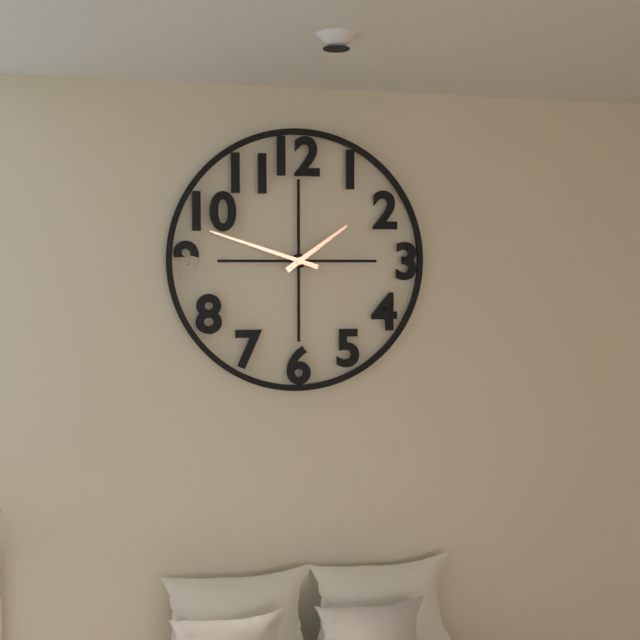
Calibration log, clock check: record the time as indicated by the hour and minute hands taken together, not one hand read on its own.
1:48
